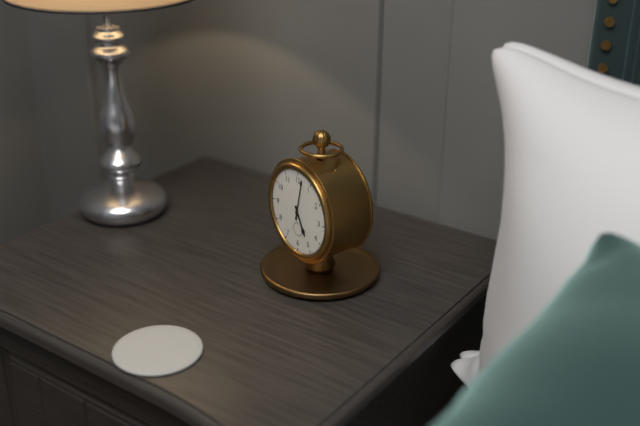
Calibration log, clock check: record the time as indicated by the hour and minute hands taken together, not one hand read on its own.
5:02
